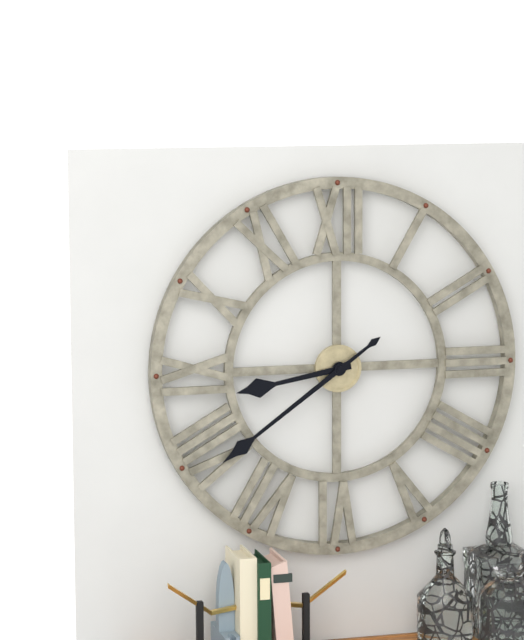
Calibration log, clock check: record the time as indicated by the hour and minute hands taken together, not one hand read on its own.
8:39
